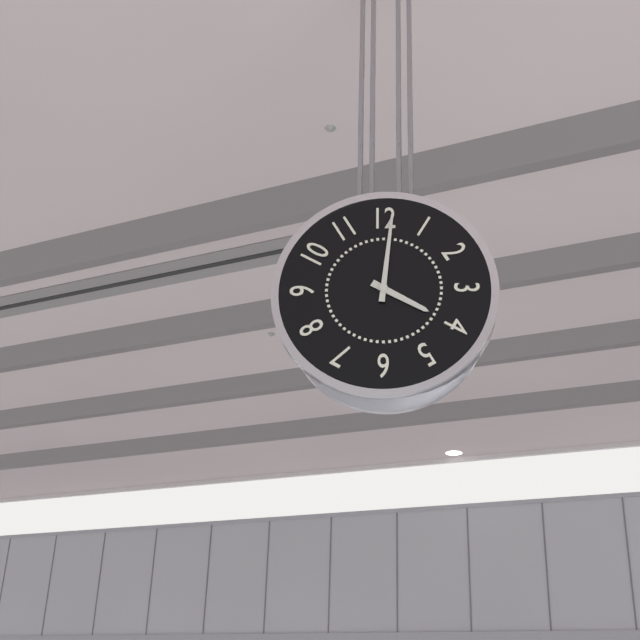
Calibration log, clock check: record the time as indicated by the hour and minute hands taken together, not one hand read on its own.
4:01
